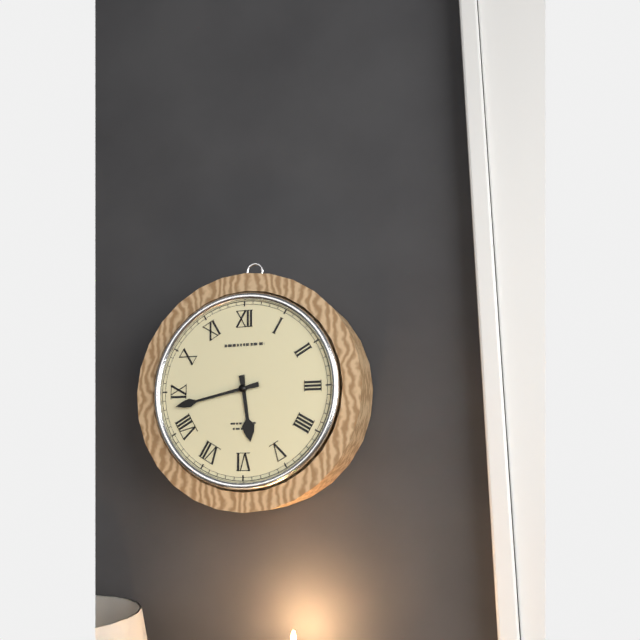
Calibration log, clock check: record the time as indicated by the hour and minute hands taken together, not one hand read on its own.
5:43
